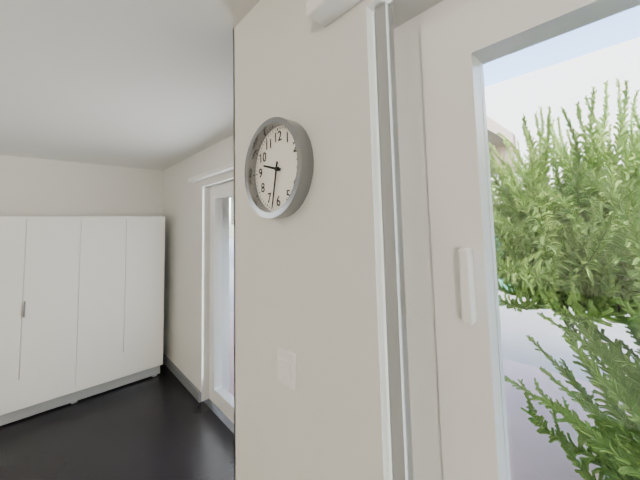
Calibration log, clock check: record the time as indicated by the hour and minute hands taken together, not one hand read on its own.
9:32
